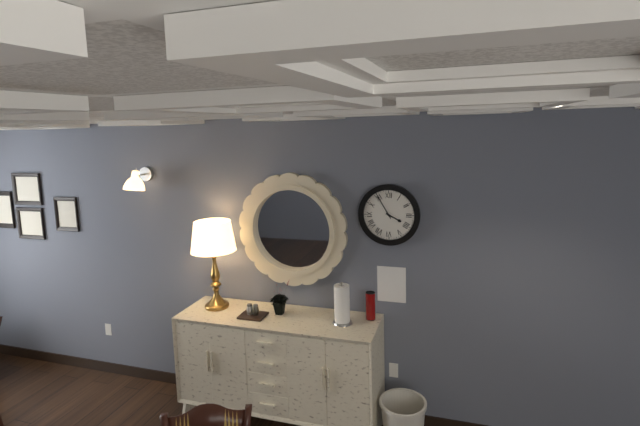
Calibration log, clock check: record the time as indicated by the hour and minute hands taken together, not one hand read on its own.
3:55
